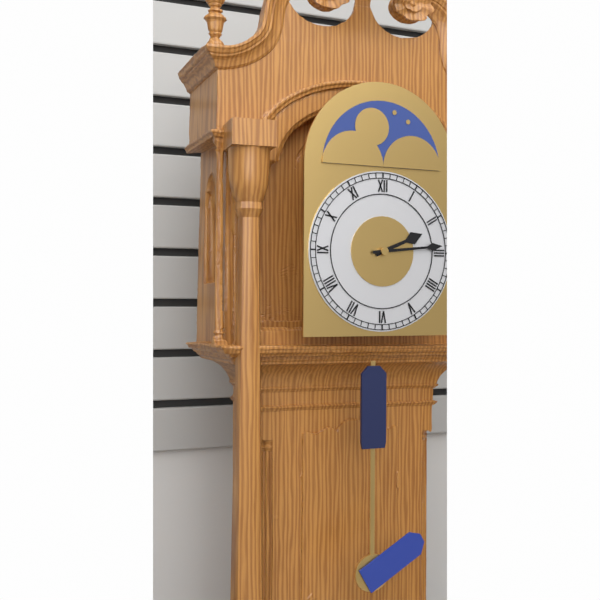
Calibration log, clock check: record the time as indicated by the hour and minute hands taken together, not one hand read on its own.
2:14
